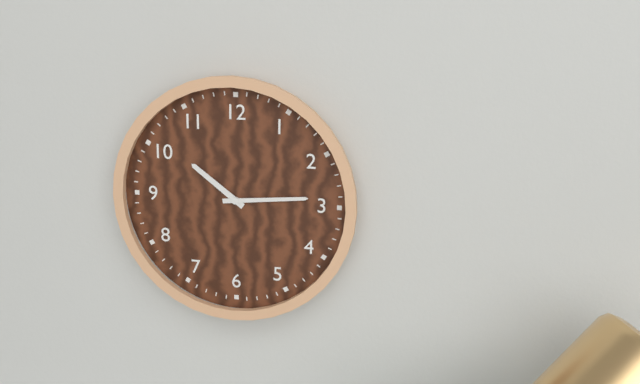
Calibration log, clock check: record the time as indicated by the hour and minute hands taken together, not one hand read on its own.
10:14
